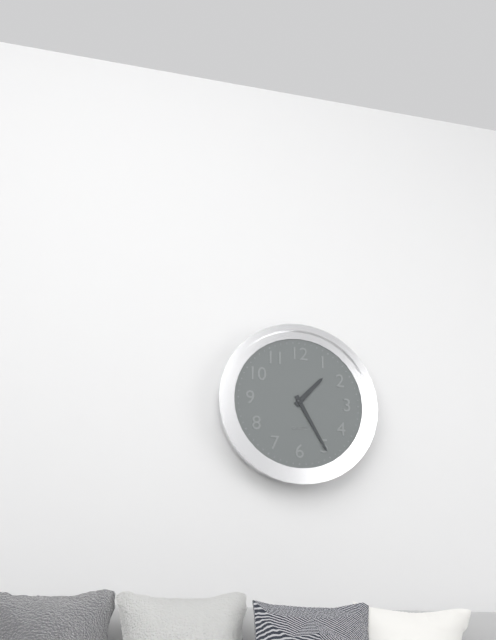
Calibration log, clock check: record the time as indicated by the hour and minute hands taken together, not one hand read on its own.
1:25
